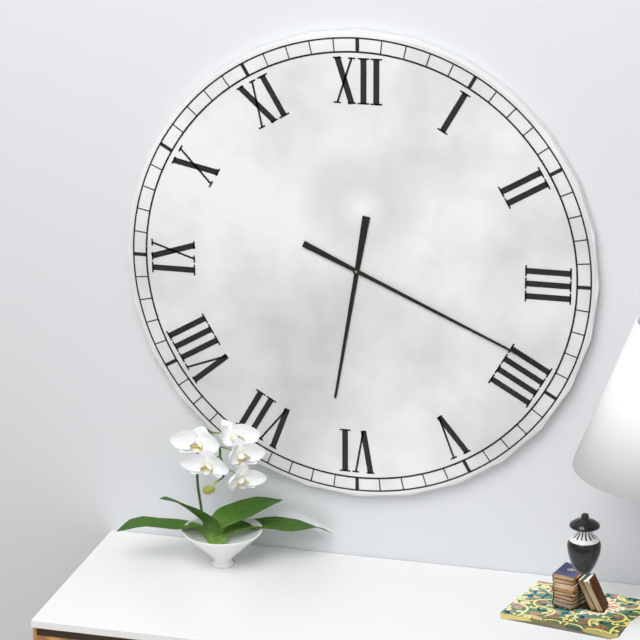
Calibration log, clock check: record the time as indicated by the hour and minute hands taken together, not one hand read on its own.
6:19
